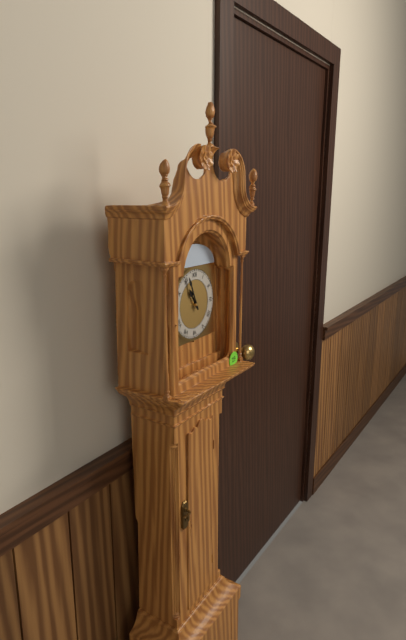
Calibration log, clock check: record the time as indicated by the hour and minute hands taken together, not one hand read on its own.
10:56
